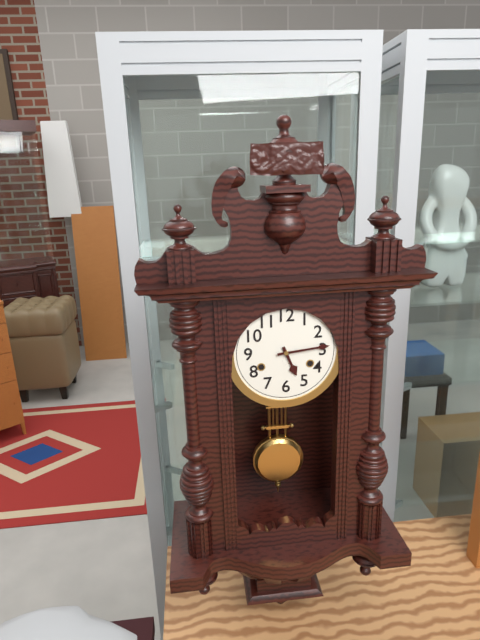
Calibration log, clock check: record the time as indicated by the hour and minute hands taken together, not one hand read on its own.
5:14
